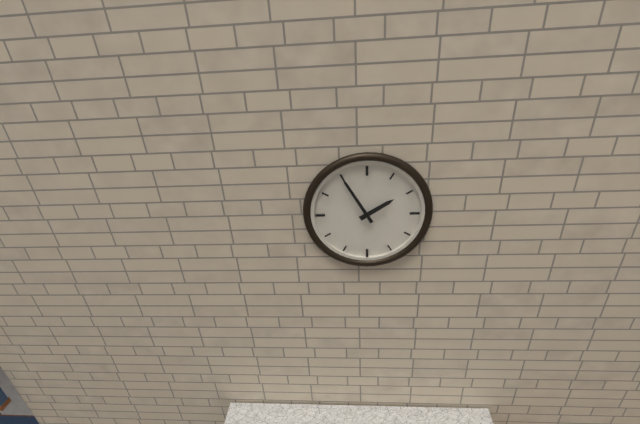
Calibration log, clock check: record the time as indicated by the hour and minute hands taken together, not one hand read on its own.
1:55
